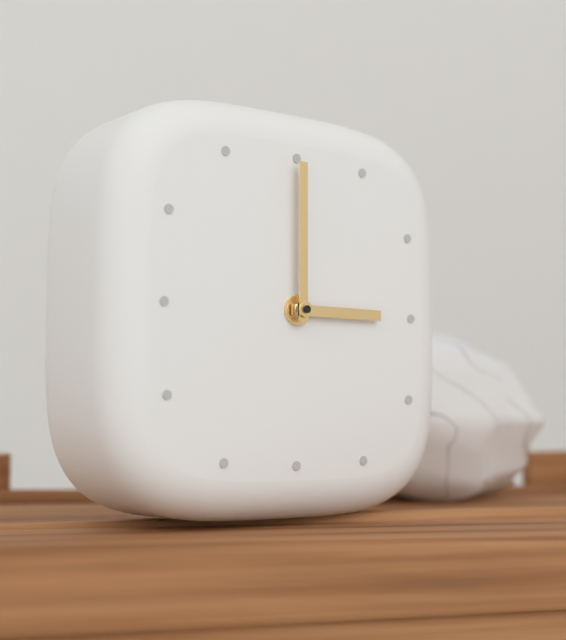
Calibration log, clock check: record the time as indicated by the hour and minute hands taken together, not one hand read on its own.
3:00
